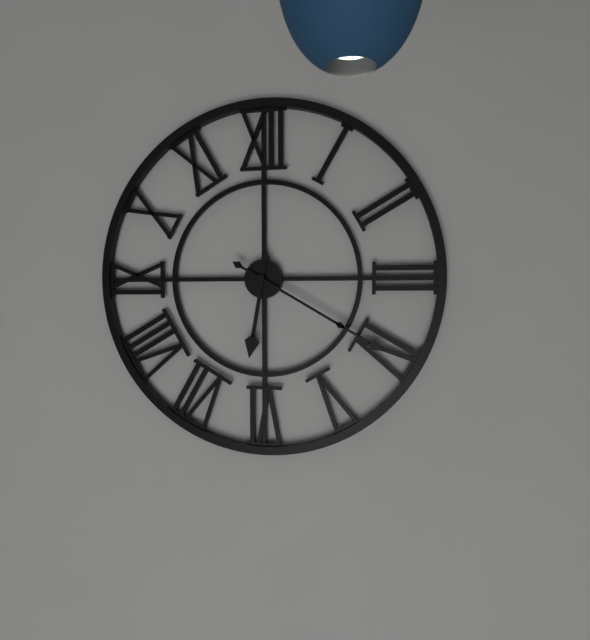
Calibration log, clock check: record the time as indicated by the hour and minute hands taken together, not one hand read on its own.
6:20
